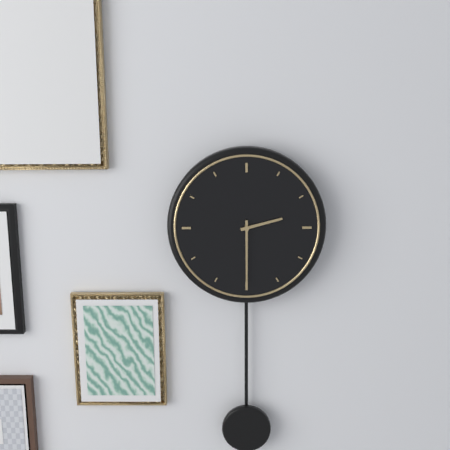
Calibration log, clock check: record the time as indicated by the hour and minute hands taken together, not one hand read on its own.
2:30
